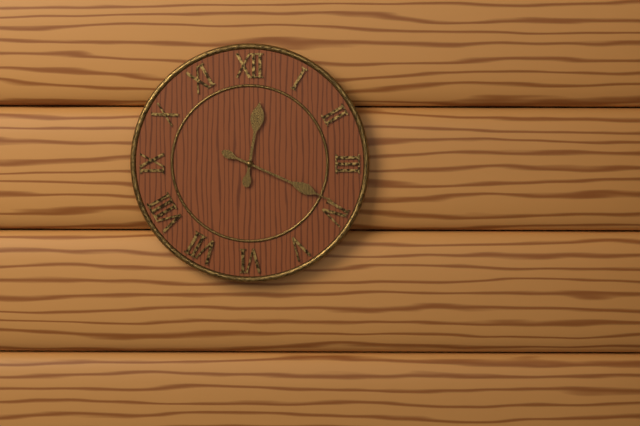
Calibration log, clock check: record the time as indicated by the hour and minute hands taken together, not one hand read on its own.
12:19
